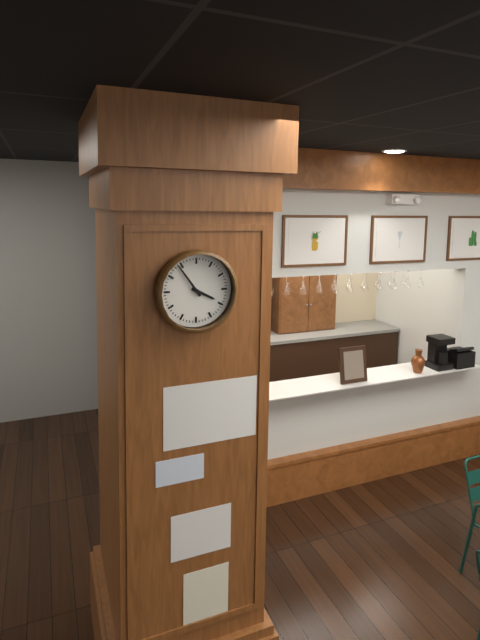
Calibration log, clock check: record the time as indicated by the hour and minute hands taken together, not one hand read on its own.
3:54
